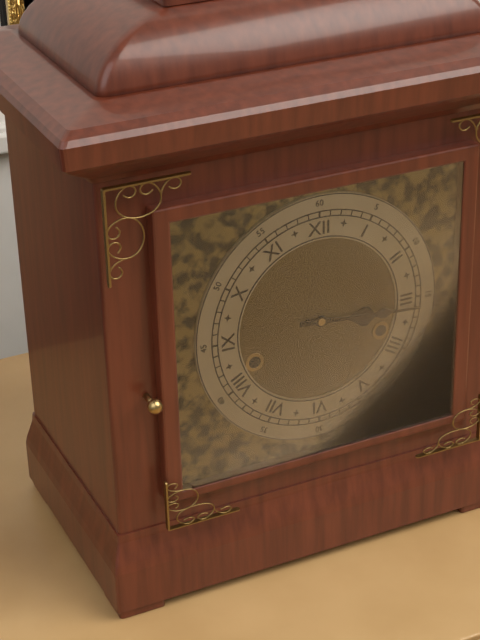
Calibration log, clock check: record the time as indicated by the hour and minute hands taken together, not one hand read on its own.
3:16
